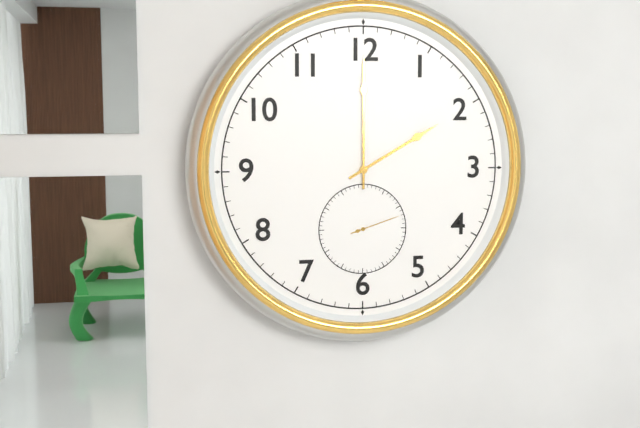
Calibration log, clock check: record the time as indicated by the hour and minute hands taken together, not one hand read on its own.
2:00
